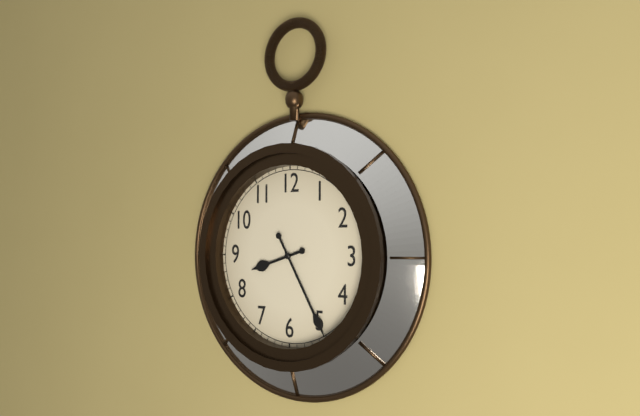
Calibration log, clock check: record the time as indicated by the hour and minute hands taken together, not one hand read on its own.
8:25
